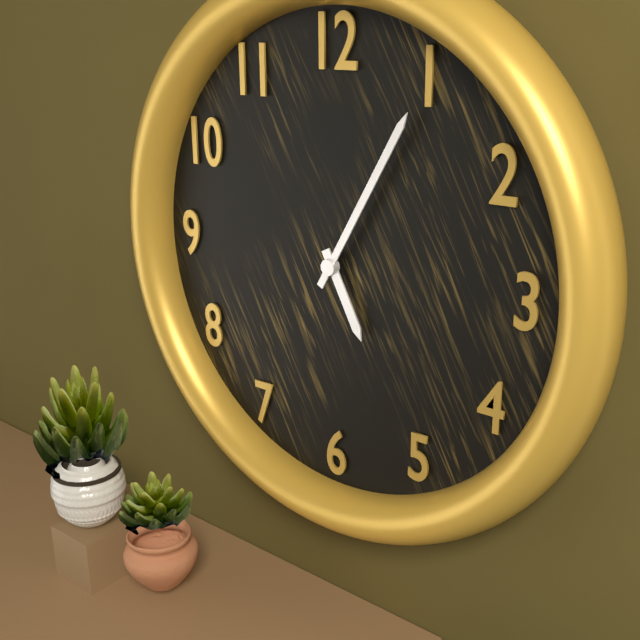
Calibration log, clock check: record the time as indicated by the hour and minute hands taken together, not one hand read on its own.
5:05
